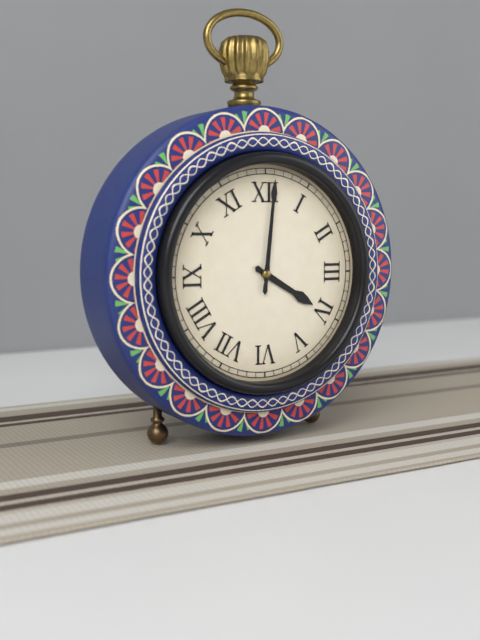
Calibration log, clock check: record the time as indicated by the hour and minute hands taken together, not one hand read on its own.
4:01
